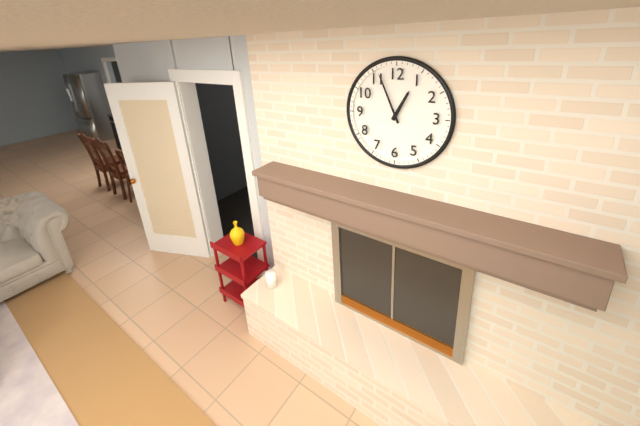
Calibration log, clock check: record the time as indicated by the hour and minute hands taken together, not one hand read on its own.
12:56
